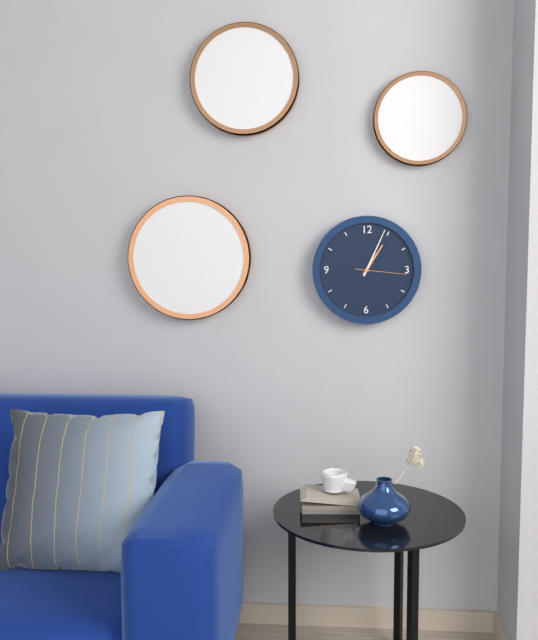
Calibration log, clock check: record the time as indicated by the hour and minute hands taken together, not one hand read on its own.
1:04
